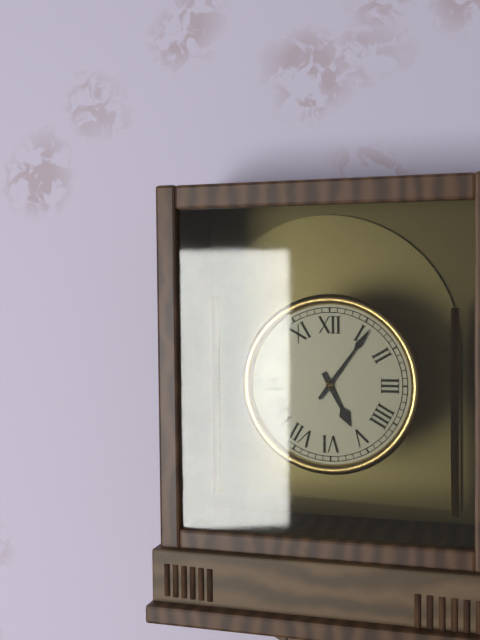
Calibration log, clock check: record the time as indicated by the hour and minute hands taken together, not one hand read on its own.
5:06
